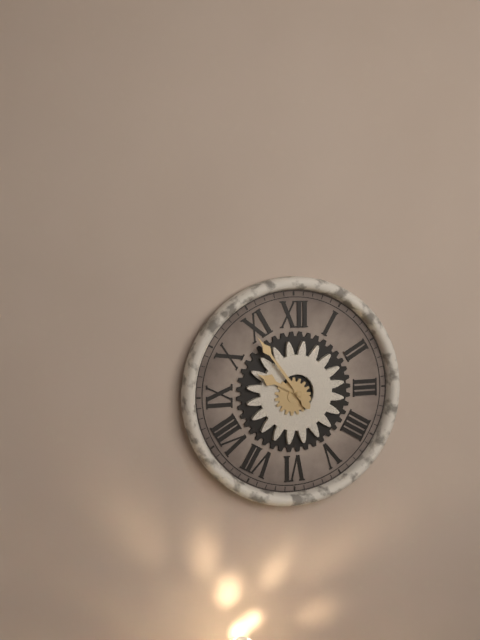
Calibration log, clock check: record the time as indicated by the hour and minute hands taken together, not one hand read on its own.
9:54
